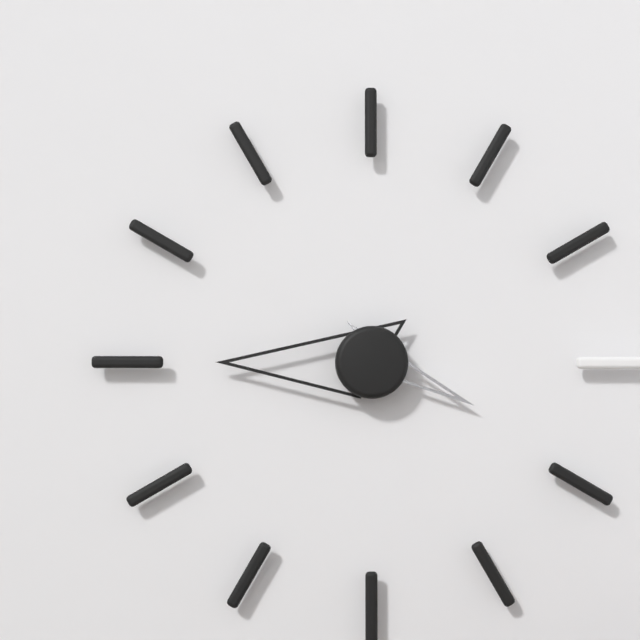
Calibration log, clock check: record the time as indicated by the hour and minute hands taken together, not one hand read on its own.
3:45
